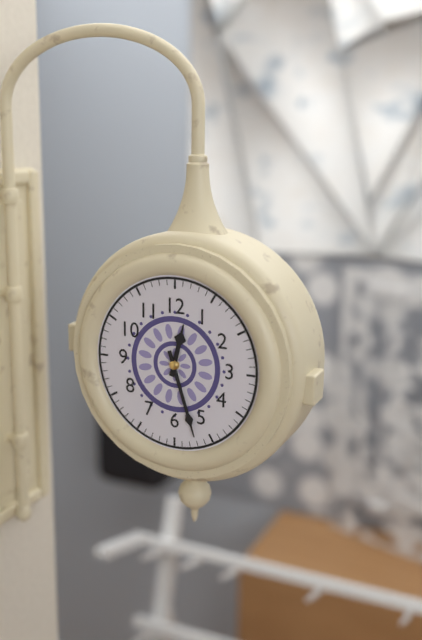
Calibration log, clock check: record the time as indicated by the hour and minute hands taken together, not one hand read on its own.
12:27
